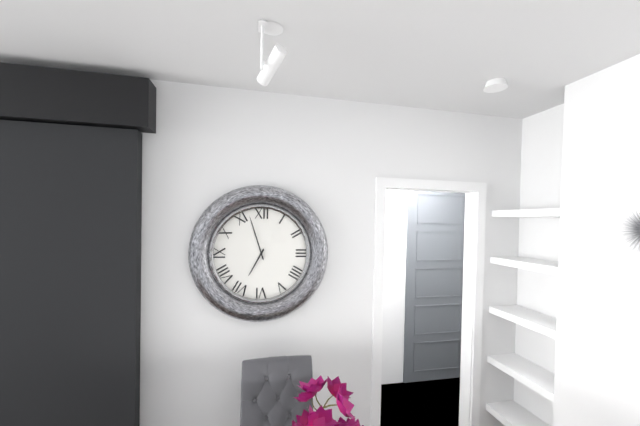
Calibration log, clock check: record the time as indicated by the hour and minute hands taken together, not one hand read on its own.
6:57
